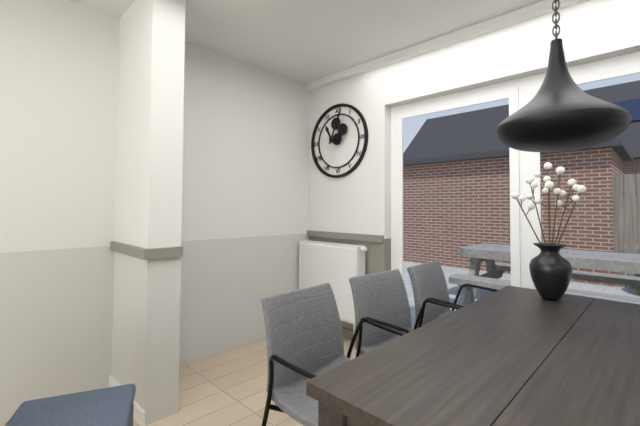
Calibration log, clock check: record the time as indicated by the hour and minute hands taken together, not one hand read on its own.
11:04
